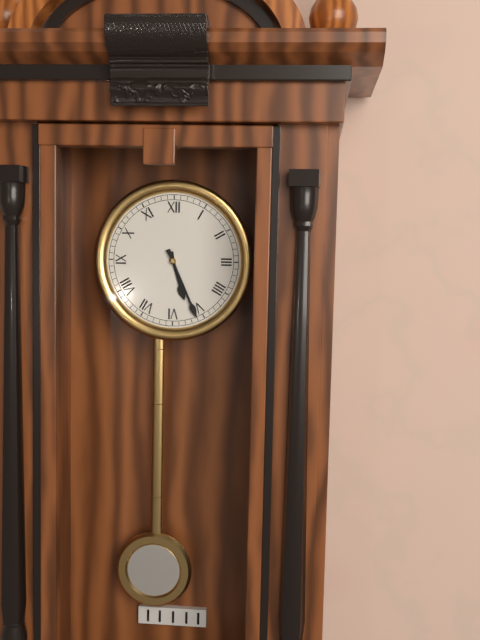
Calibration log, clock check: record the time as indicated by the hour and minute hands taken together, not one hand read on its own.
5:26
